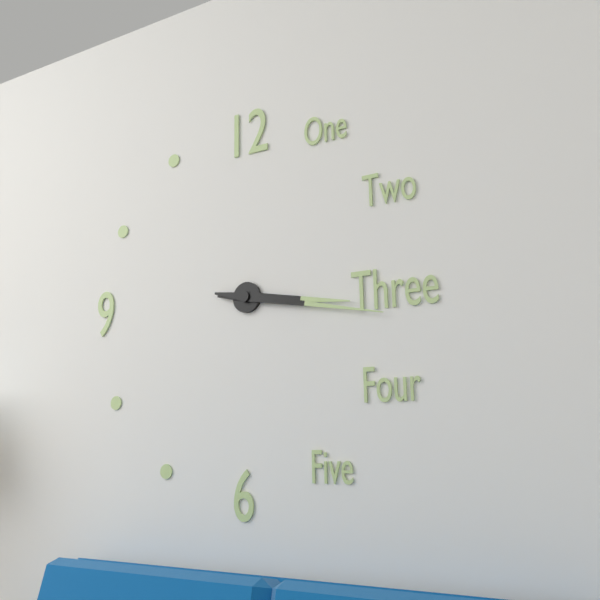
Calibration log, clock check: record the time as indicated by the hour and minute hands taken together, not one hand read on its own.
3:17
